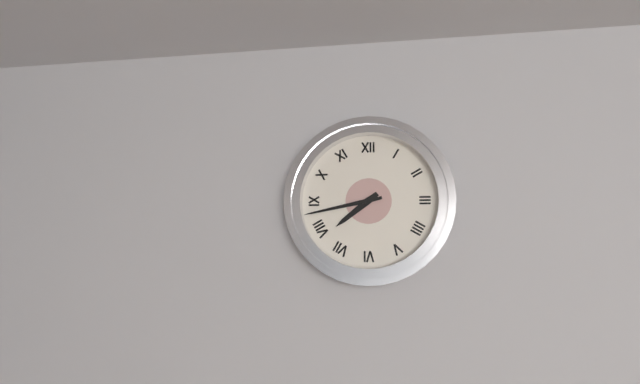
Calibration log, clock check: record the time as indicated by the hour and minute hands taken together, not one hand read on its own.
7:43
